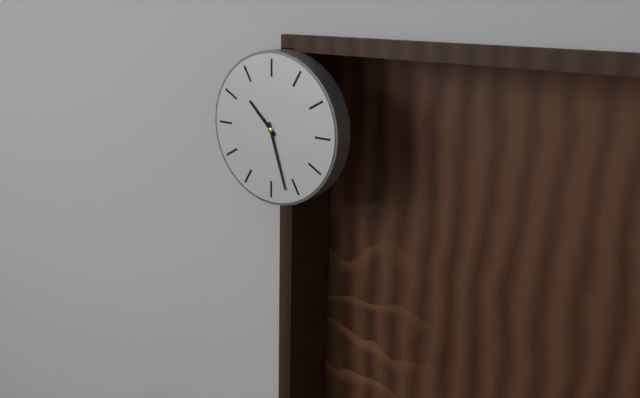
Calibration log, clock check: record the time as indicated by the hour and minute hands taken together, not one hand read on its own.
10:27
